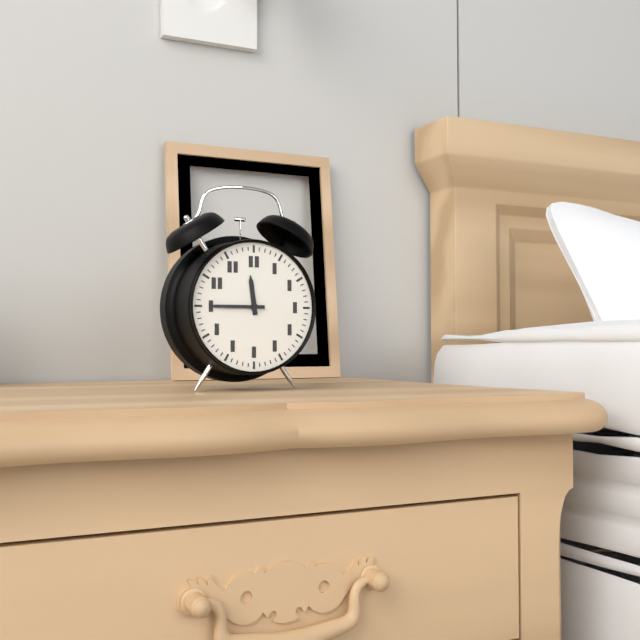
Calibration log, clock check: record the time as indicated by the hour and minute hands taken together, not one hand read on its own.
11:45
